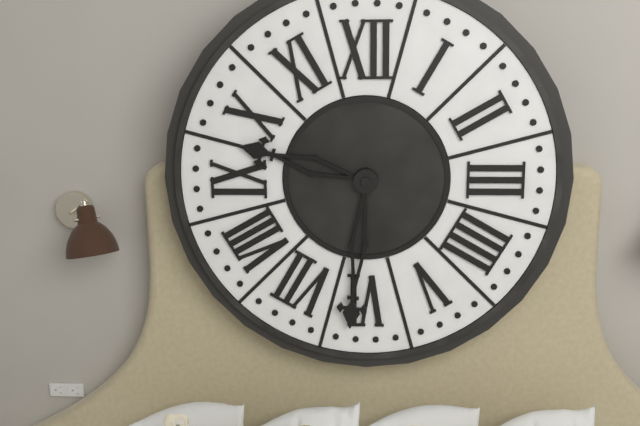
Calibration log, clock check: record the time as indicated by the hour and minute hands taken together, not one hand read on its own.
9:31
